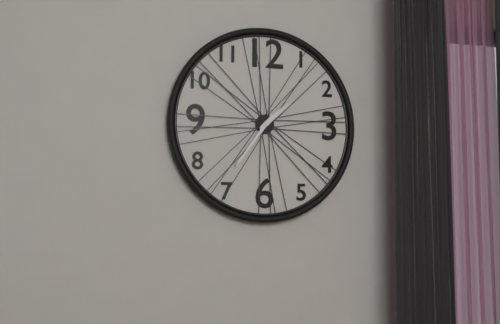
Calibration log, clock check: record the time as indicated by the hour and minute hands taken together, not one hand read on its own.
1:36
